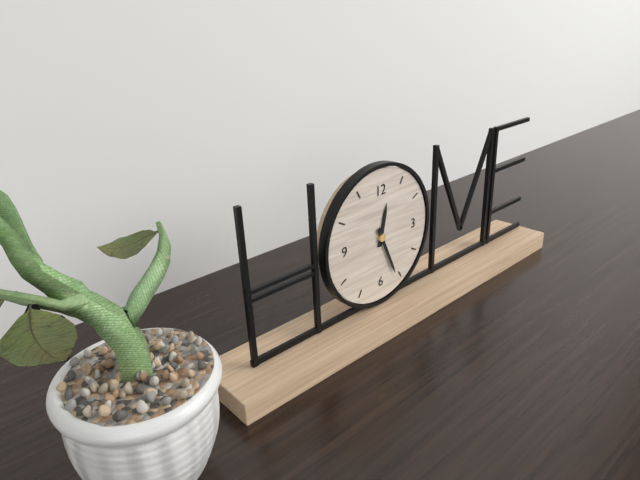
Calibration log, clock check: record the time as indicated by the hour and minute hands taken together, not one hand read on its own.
12:26
